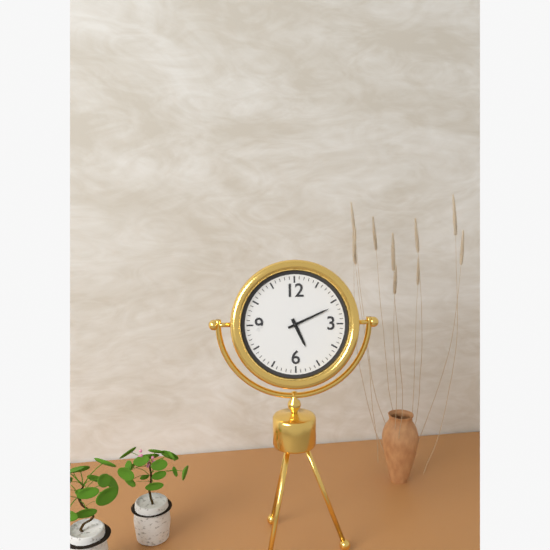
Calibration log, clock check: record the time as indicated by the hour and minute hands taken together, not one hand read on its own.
5:11
